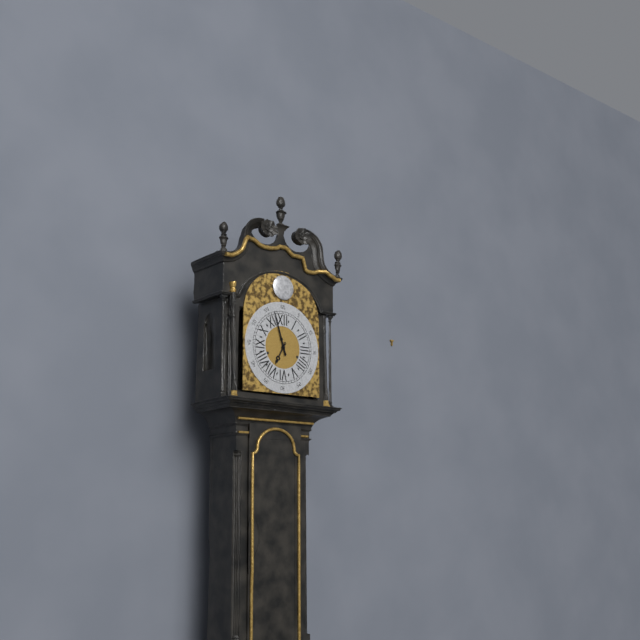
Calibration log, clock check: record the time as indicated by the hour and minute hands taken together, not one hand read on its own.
6:57
